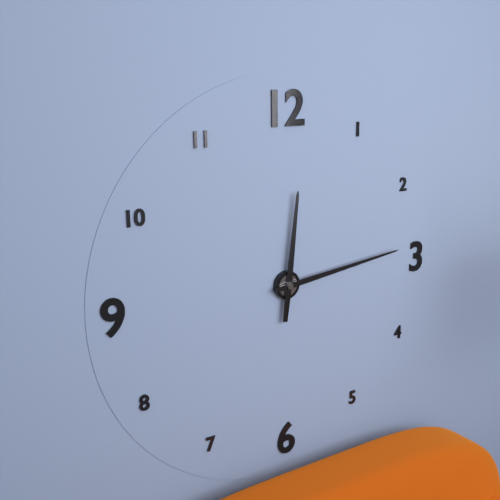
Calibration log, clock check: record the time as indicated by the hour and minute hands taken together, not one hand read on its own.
12:14
